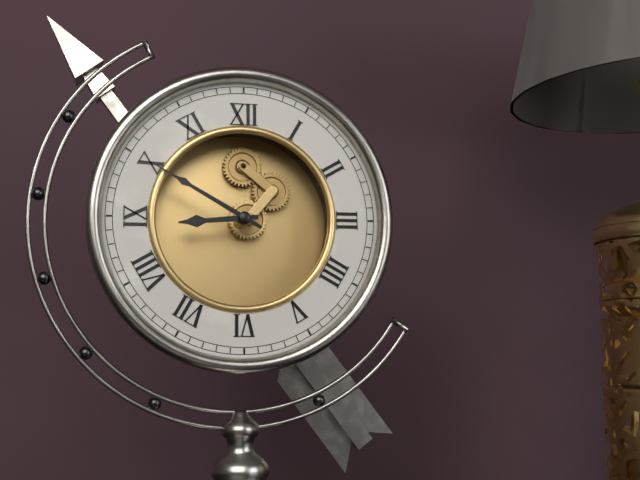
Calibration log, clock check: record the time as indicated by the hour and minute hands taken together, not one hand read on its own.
8:50
